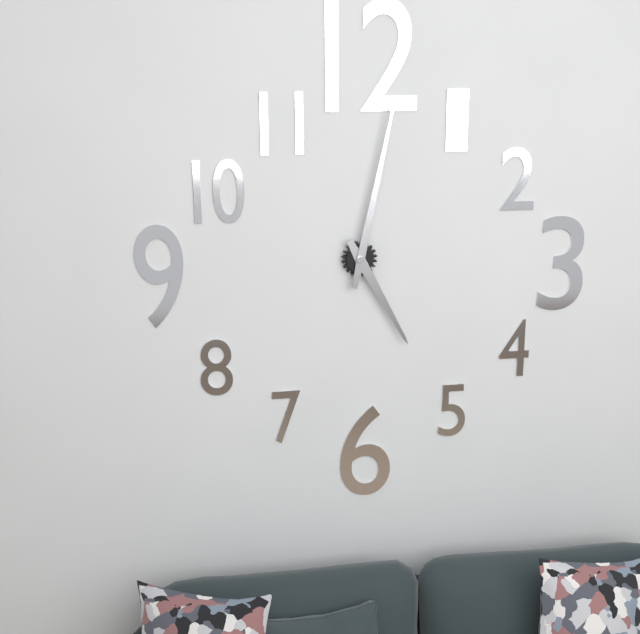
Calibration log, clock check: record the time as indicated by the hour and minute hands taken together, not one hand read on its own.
5:02
